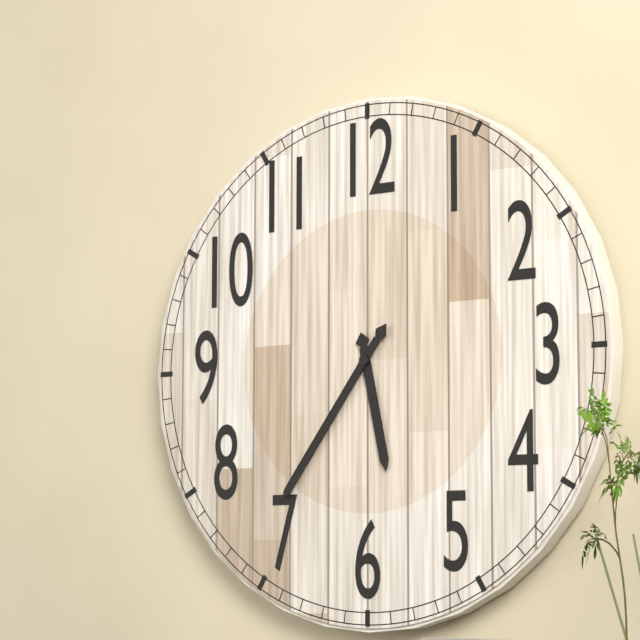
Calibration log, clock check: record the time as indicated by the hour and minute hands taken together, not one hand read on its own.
5:36
